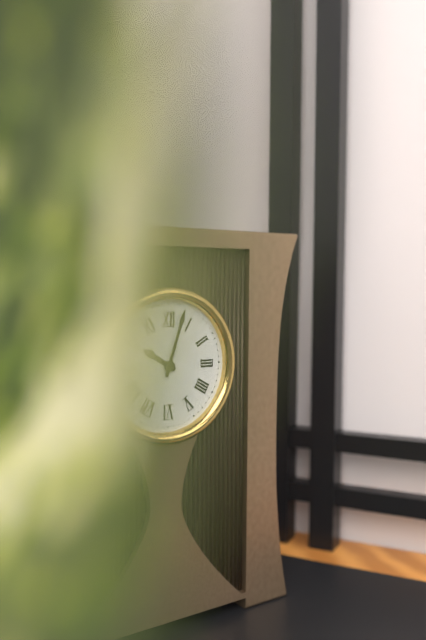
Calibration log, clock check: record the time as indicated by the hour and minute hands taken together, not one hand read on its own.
10:03
